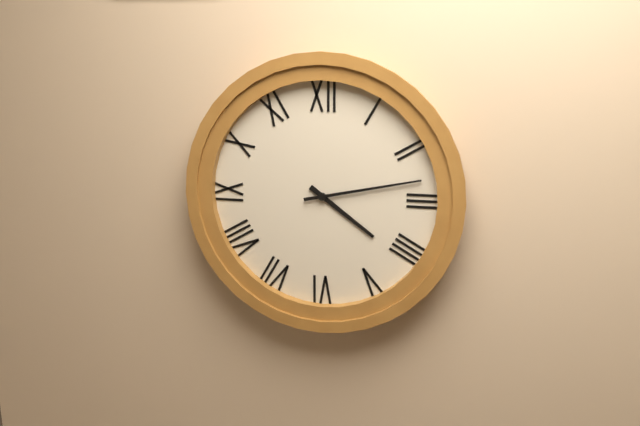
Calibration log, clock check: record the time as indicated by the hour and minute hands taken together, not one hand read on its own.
4:13
